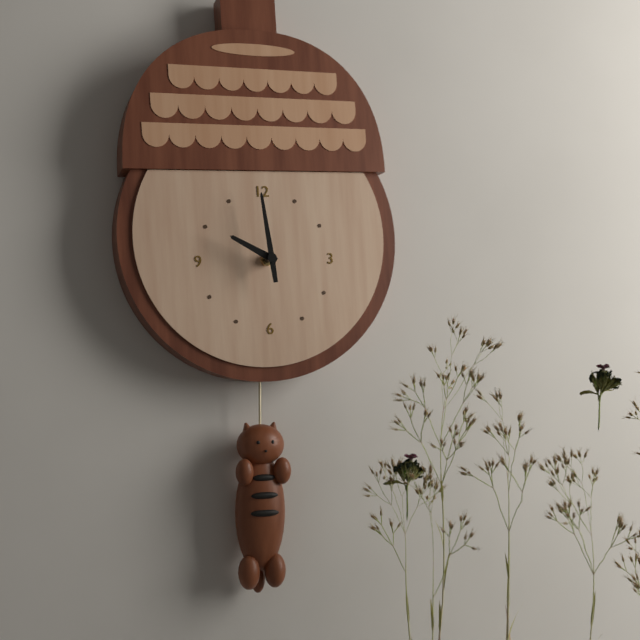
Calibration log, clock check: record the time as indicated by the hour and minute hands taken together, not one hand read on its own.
9:59
